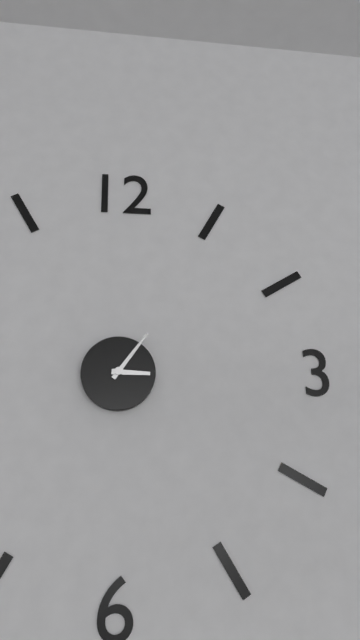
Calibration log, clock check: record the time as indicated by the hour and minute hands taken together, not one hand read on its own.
3:06
